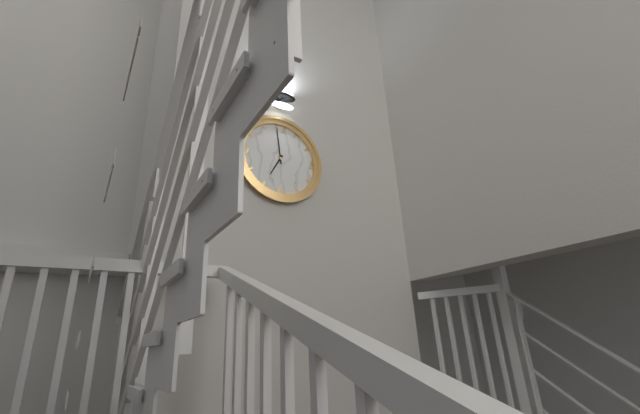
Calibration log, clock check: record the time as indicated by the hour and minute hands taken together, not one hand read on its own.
6:59
